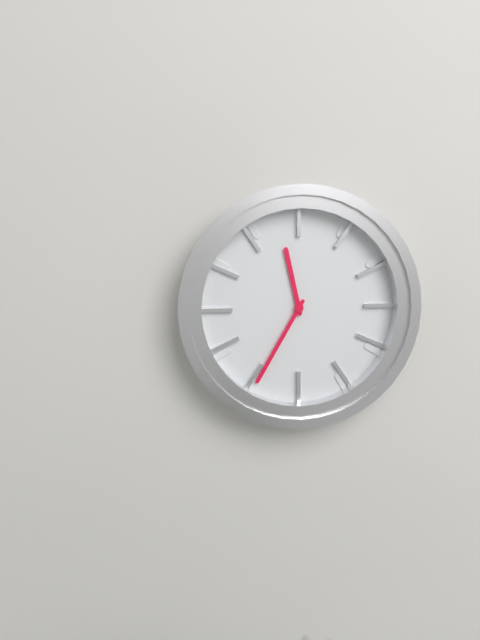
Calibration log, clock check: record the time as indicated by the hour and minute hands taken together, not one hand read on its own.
11:35
